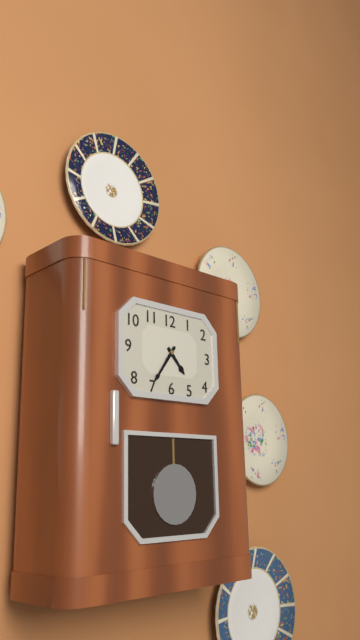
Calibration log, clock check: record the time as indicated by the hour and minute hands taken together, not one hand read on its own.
4:36
